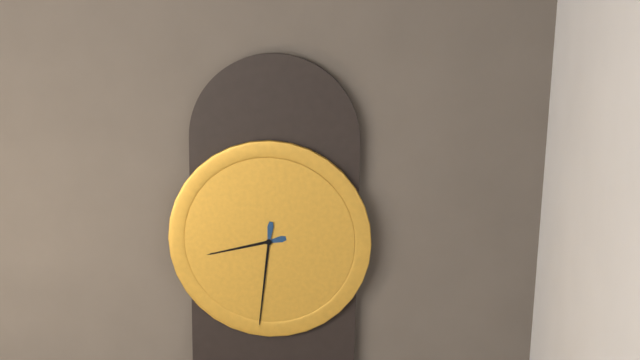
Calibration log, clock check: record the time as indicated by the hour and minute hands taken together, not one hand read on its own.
8:31
